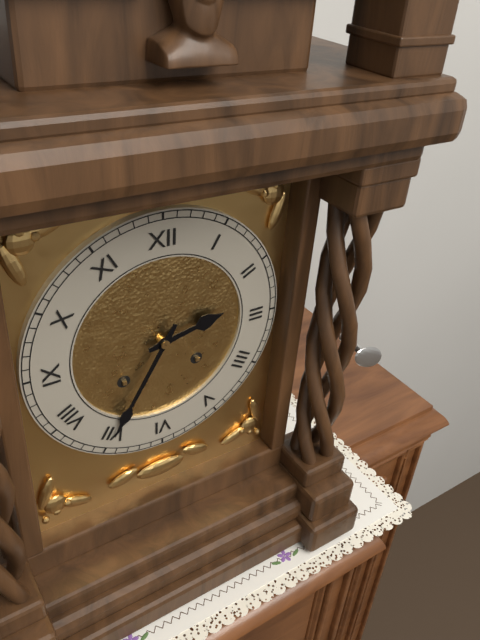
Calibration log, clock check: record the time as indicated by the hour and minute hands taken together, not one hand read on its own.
2:35
